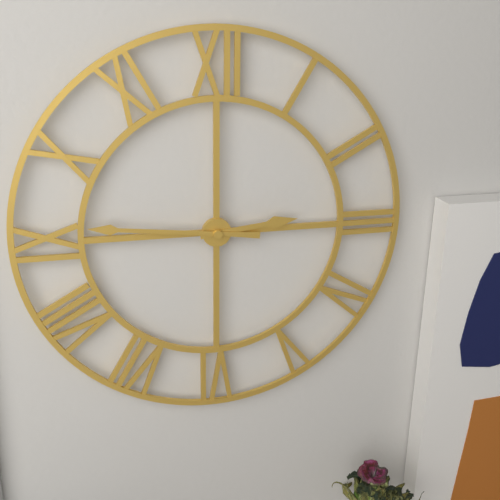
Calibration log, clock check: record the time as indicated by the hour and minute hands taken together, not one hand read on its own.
2:46
